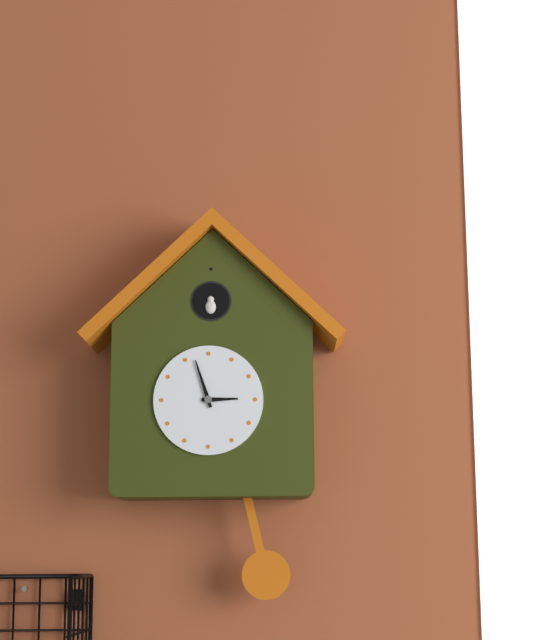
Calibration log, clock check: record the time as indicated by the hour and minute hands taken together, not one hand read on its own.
2:57
